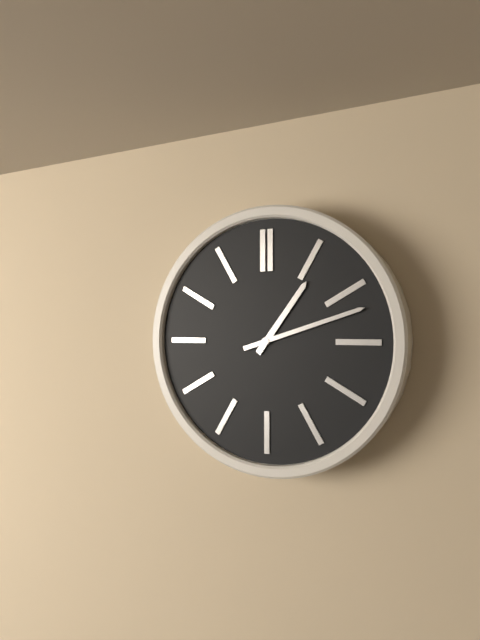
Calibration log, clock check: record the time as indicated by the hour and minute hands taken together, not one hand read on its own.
1:12
